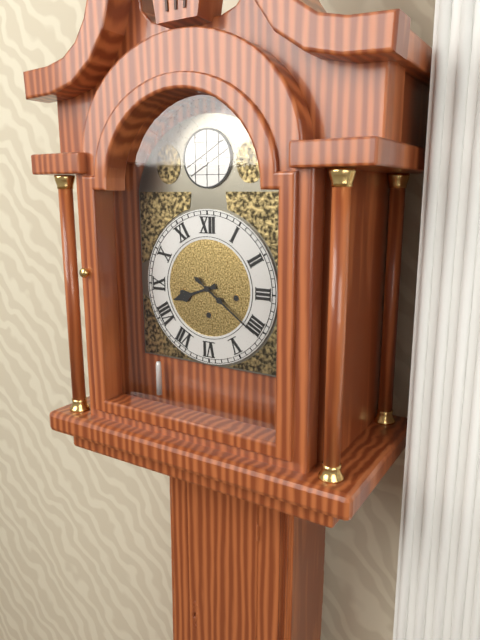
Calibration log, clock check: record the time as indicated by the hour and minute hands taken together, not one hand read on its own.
8:21
